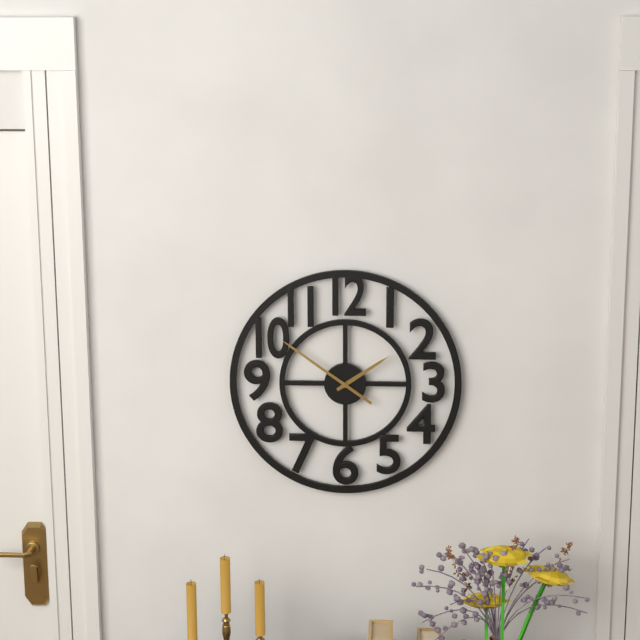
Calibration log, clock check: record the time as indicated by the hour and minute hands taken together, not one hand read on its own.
1:51
